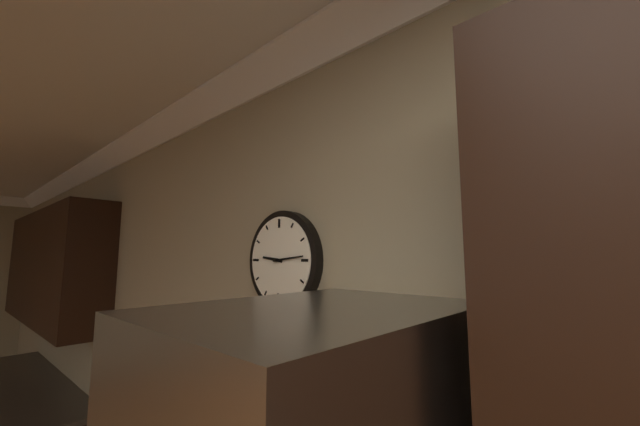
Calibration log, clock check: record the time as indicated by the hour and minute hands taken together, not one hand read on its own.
9:14
